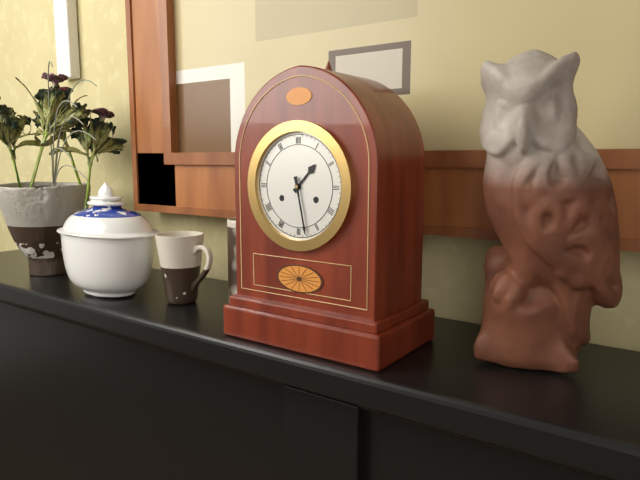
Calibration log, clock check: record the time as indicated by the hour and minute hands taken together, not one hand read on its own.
1:28
